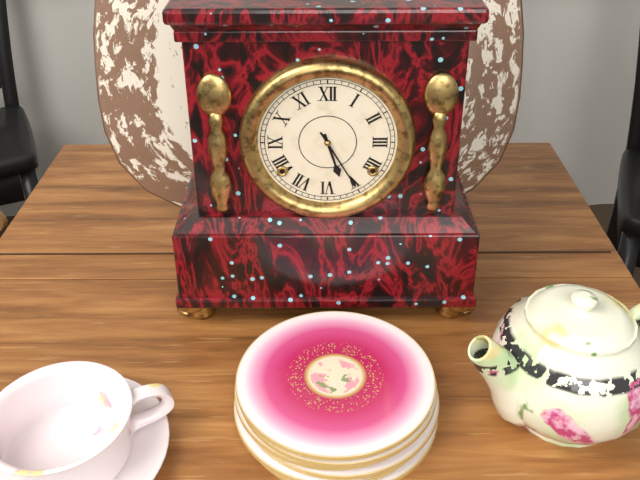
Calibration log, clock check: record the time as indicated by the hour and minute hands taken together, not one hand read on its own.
5:25
